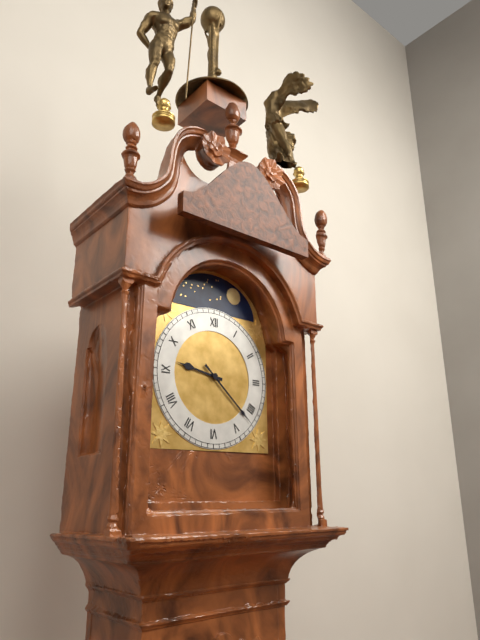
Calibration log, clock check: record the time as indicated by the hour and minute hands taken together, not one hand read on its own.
9:22
